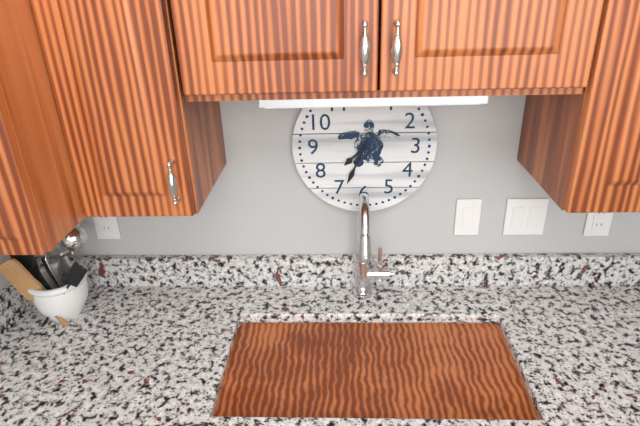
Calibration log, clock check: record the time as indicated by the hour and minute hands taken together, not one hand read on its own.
7:34
